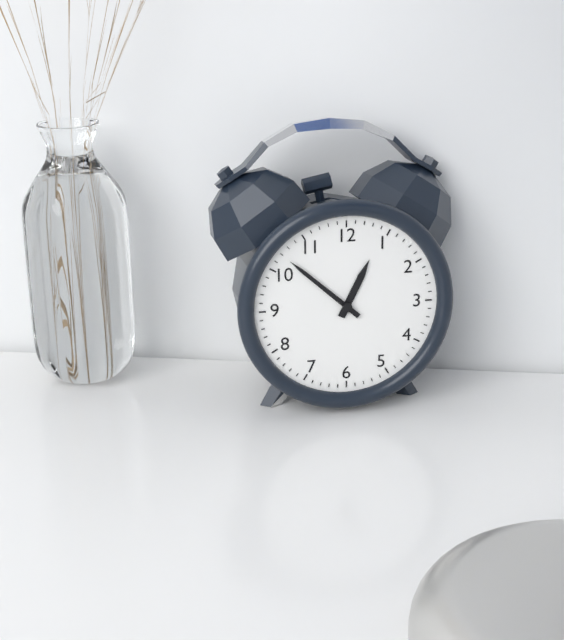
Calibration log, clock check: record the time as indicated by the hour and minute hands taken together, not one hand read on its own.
12:52
